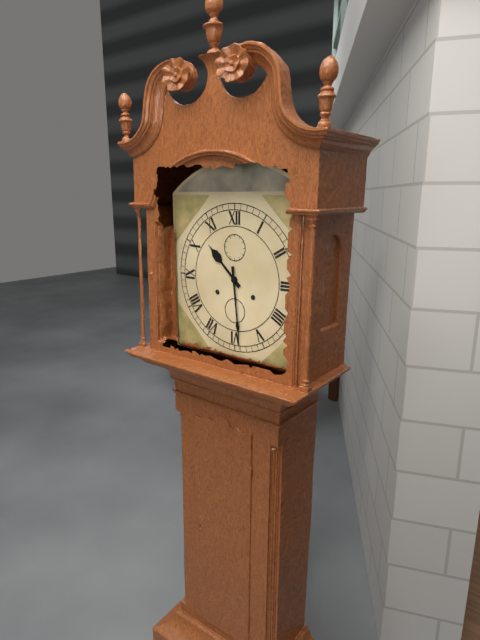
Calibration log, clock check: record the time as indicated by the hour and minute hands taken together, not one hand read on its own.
10:29
